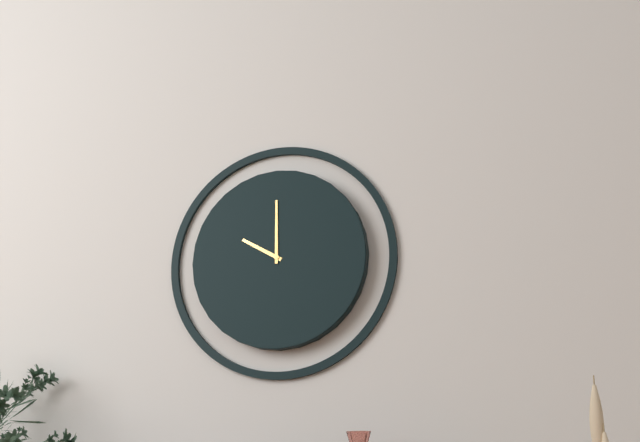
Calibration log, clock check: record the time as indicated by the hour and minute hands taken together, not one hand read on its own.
10:00
